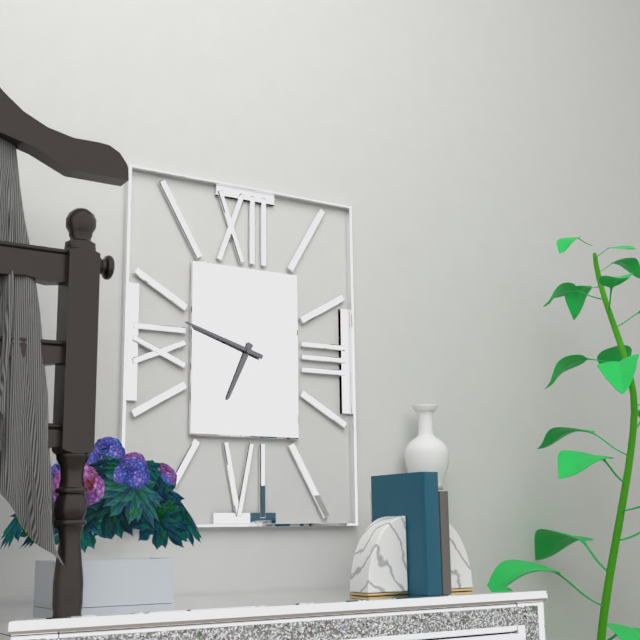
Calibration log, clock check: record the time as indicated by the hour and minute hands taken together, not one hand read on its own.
6:48
